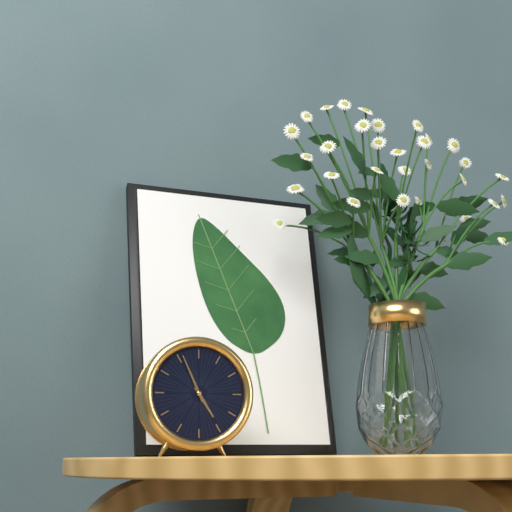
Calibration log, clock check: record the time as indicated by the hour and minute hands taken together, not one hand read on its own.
4:56
